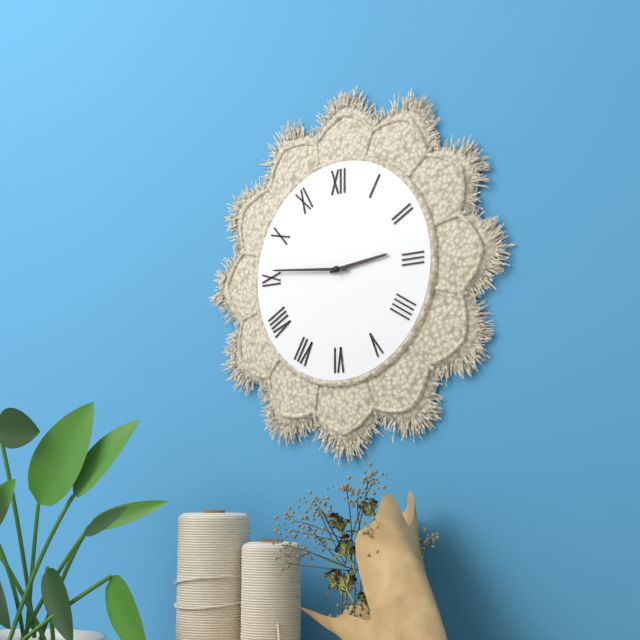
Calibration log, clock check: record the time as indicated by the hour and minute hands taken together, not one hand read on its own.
2:46
